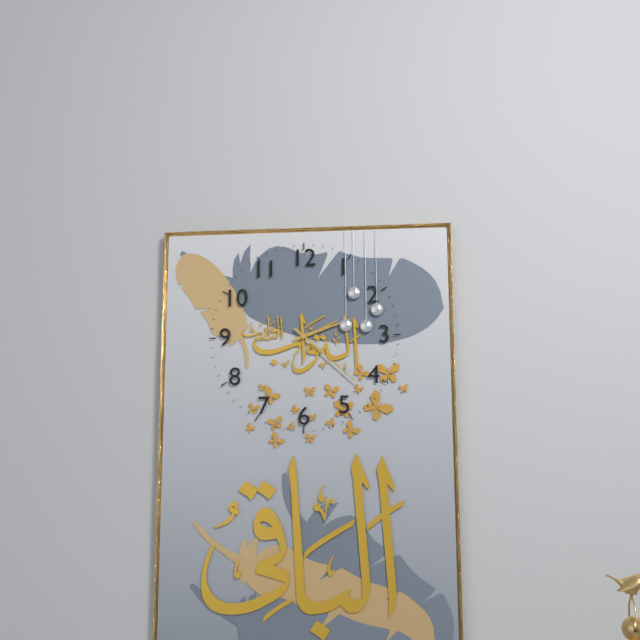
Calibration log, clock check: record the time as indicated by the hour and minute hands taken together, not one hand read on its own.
2:22
